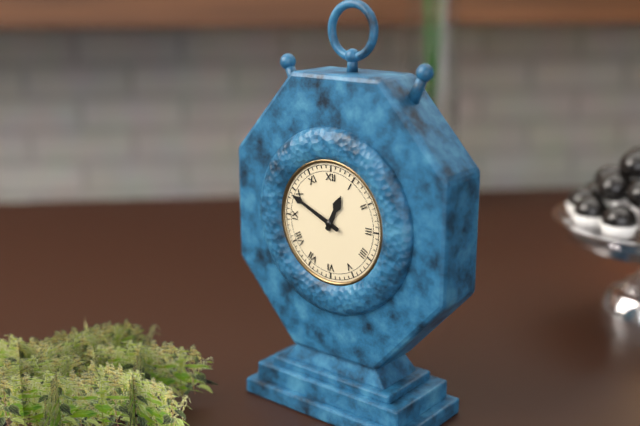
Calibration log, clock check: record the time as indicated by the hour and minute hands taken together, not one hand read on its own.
12:49
